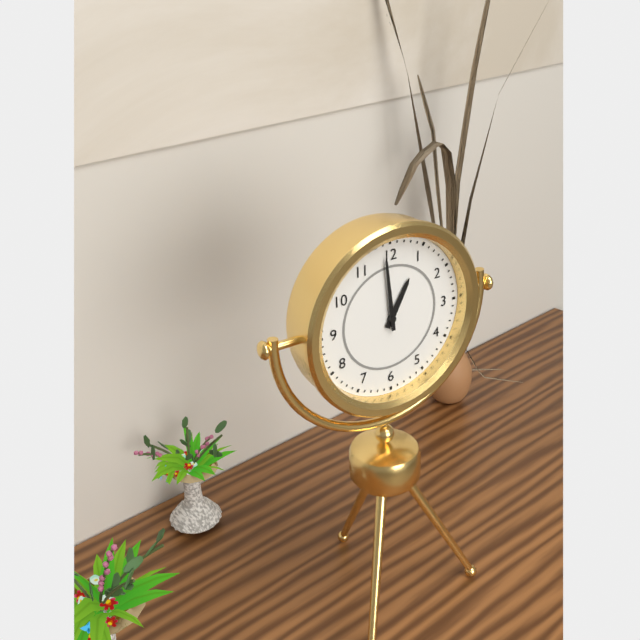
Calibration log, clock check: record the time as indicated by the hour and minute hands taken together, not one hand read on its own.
12:59
